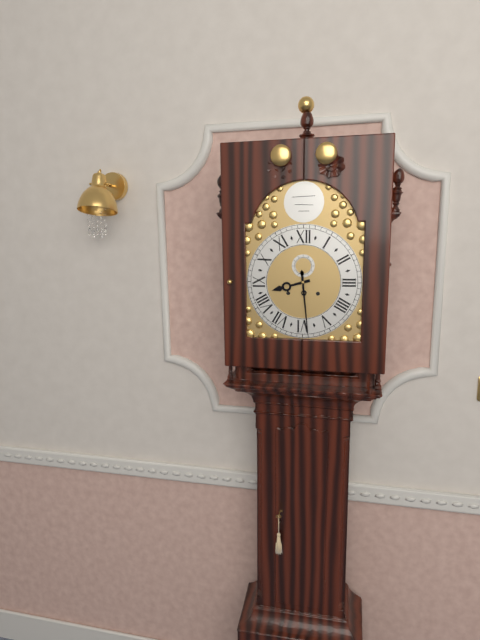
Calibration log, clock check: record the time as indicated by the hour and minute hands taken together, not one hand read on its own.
8:29
